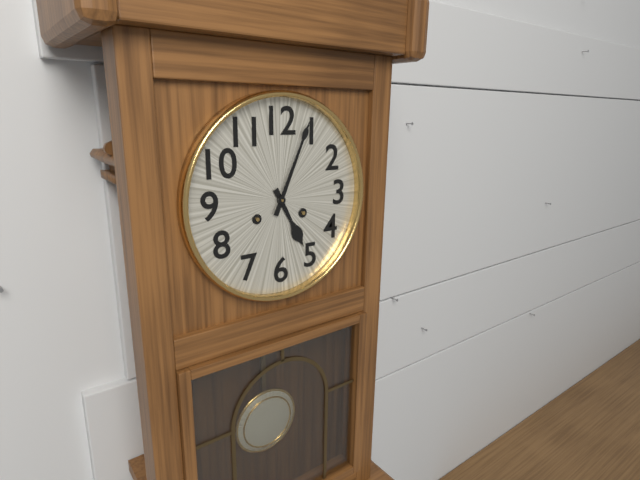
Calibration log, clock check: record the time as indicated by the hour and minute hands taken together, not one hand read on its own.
5:04
